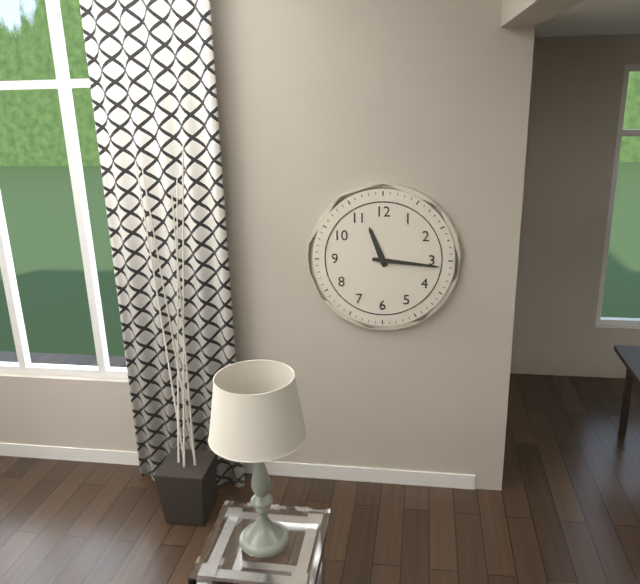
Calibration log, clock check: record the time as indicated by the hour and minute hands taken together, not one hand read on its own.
11:16
